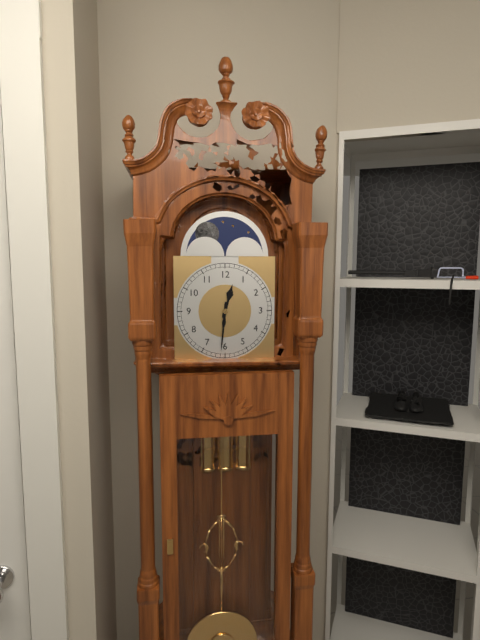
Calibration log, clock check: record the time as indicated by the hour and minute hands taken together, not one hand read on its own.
12:31
